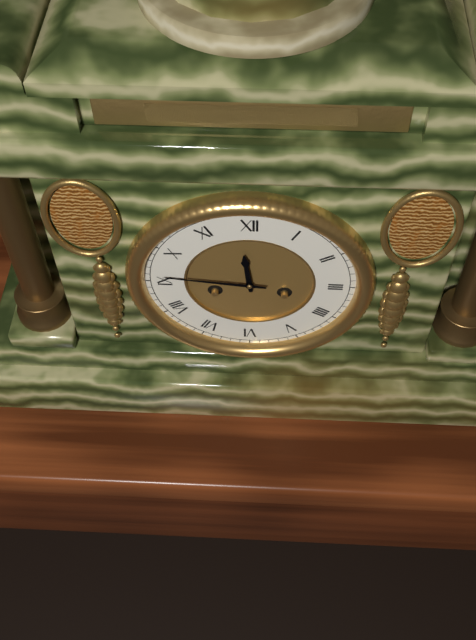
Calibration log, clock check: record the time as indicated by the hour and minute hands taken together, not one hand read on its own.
11:46
